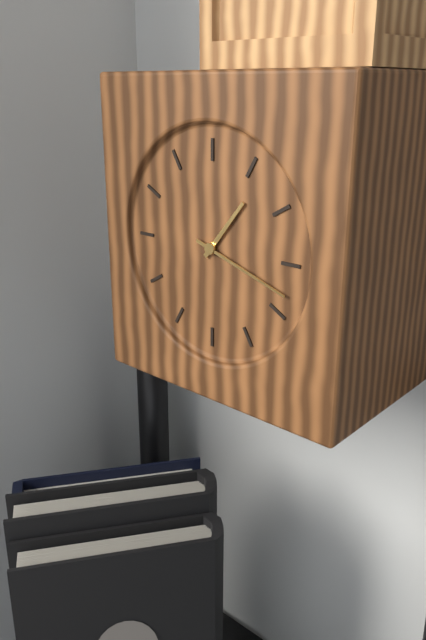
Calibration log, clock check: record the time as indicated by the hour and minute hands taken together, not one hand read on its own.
1:18
